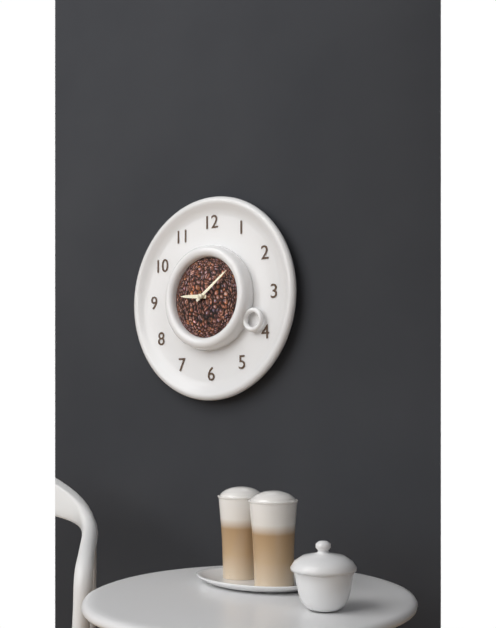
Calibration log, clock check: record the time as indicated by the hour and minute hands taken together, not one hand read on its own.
9:09
